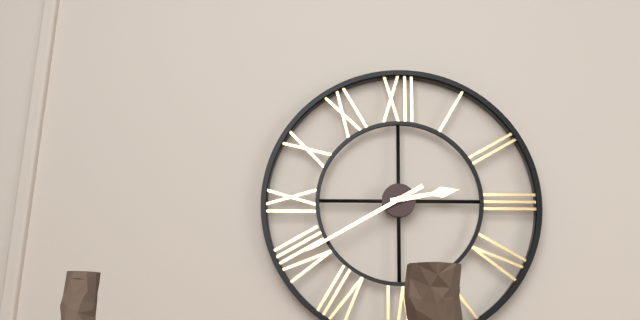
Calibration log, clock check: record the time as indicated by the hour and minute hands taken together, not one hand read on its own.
2:40
